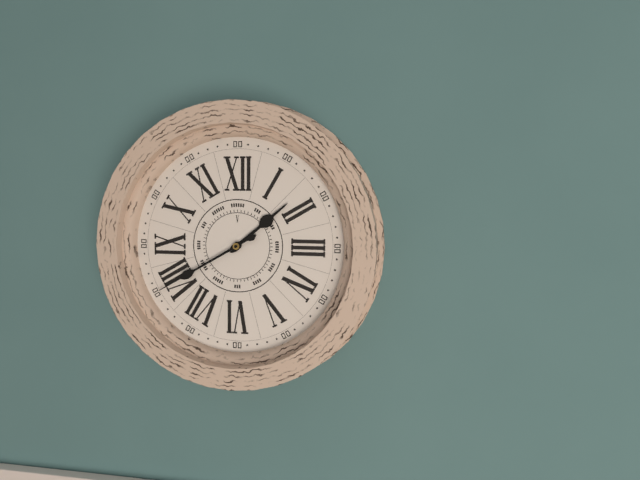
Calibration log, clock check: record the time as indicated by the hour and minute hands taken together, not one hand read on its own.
1:40
